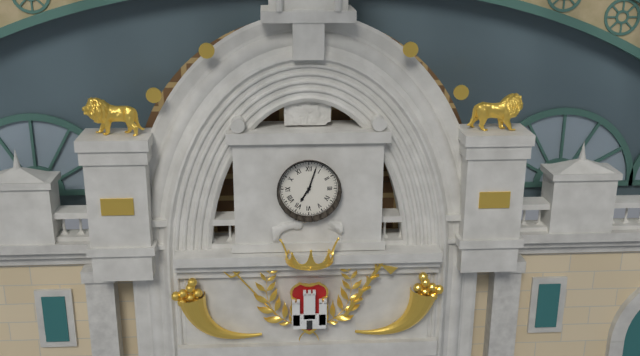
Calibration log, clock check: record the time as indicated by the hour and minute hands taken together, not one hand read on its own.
7:03
